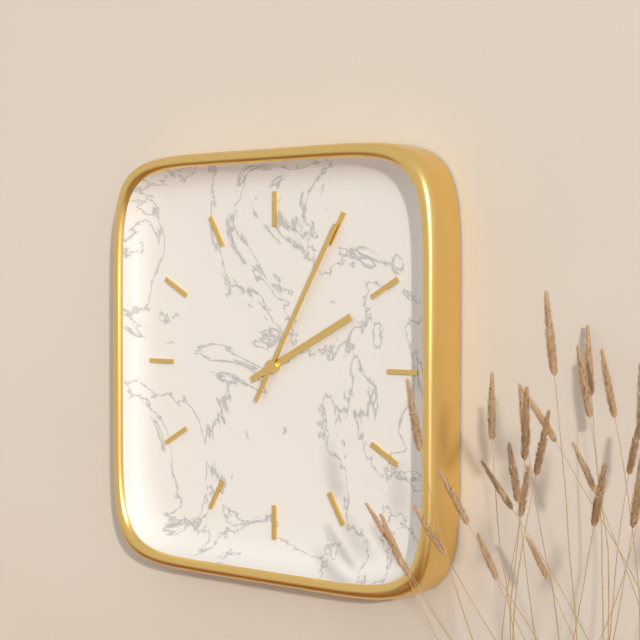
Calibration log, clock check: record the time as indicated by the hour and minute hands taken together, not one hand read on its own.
2:05
